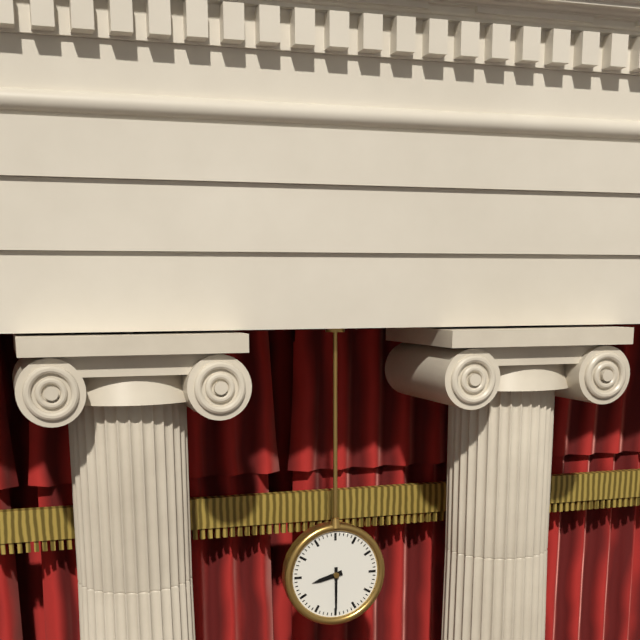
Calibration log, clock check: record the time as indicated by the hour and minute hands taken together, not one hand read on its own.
8:30
